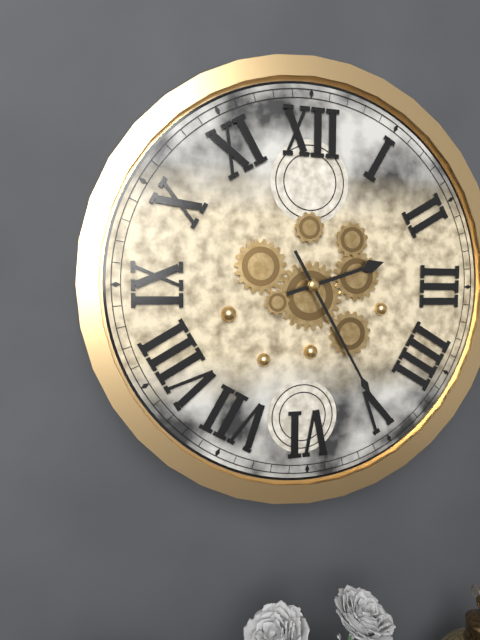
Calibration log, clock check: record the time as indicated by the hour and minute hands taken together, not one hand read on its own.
2:25
